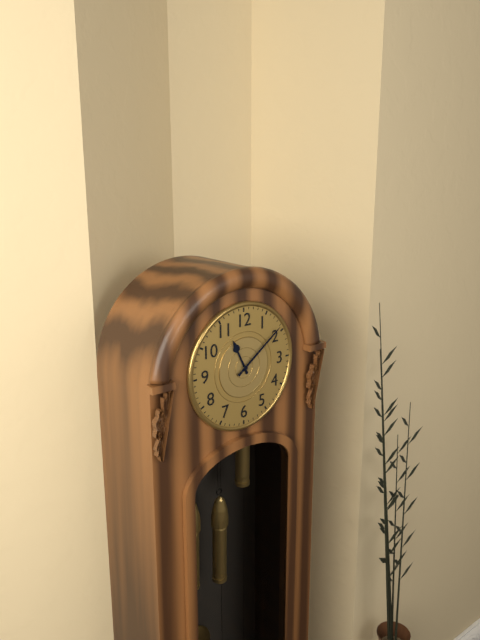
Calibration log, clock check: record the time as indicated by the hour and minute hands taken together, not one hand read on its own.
11:09
